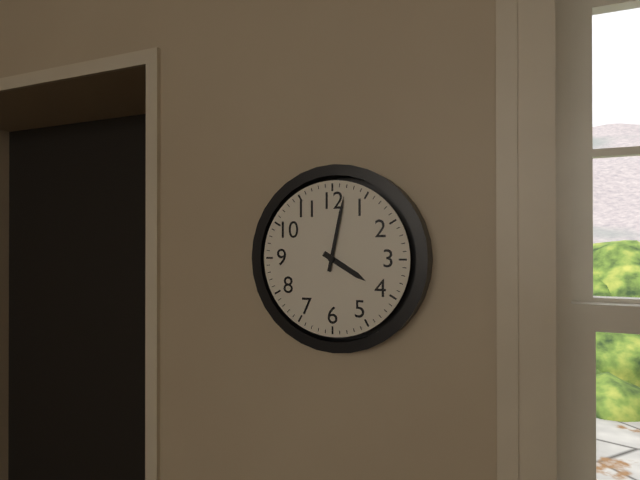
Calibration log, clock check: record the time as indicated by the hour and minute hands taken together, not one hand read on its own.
4:02
